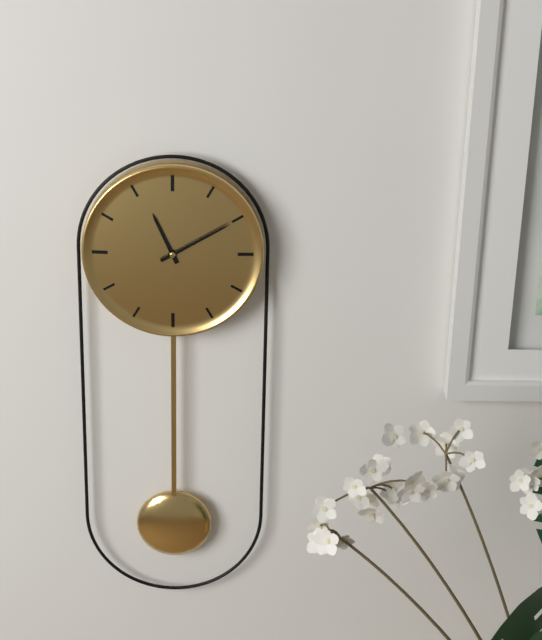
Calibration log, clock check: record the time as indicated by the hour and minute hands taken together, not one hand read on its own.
11:10
